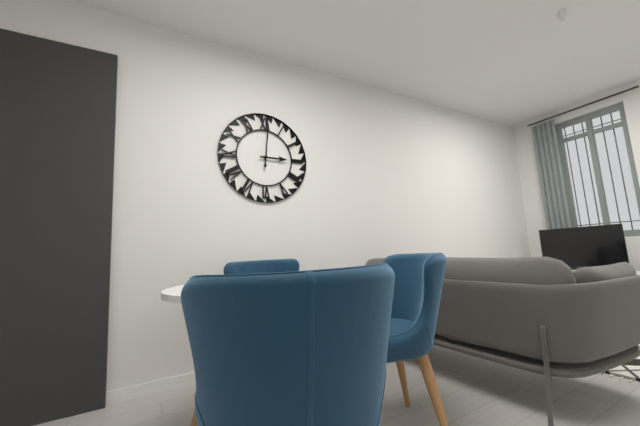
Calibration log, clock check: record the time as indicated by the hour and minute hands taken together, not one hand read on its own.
3:01
